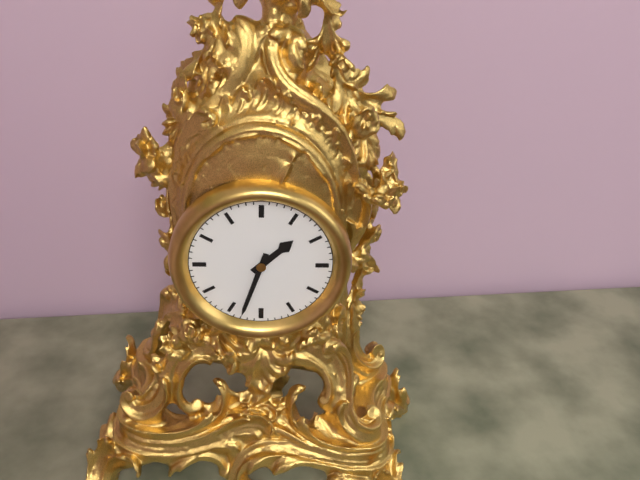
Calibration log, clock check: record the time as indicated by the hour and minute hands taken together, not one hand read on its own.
1:33
